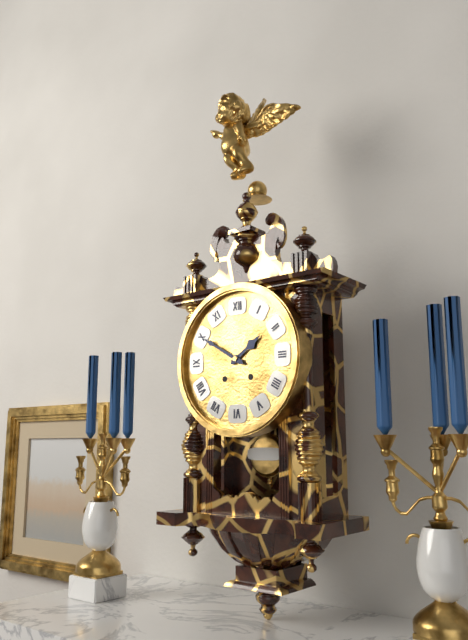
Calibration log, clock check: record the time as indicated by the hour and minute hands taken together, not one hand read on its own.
1:50
